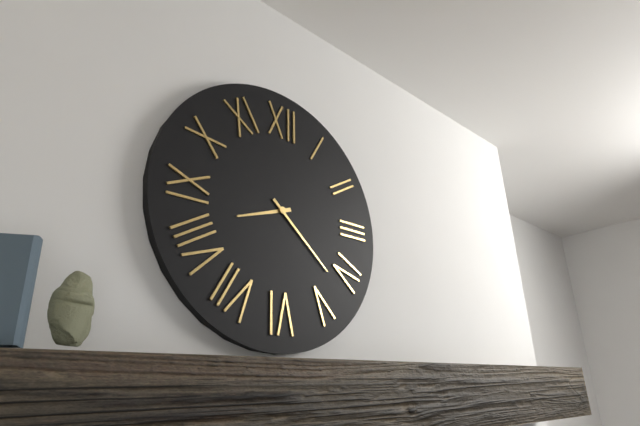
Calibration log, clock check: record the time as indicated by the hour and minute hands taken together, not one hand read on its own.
8:22
